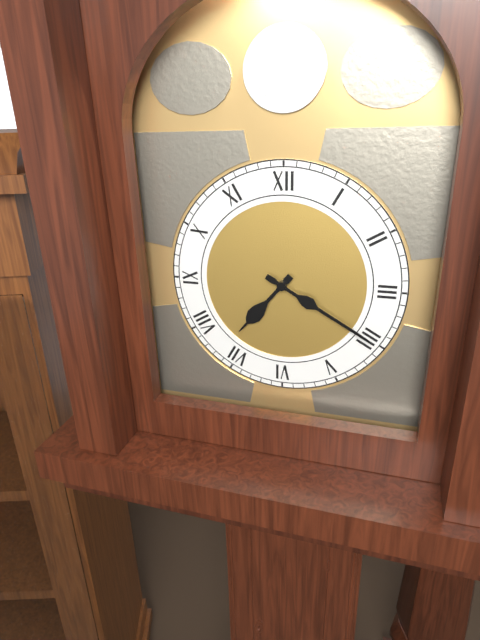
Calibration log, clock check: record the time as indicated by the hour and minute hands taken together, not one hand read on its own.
7:20
